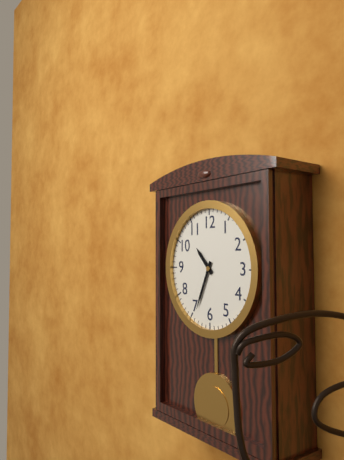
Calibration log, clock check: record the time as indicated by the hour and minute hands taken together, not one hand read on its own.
10:34
